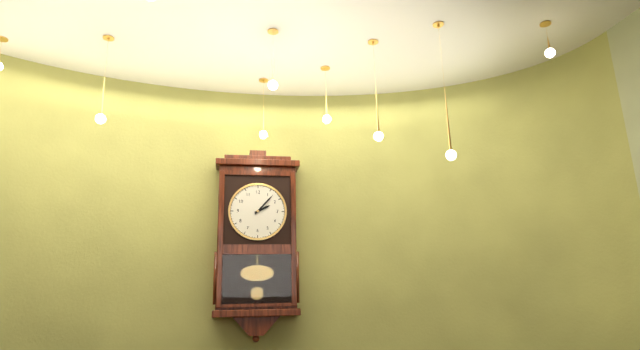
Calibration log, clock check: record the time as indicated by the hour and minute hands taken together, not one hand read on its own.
2:07
